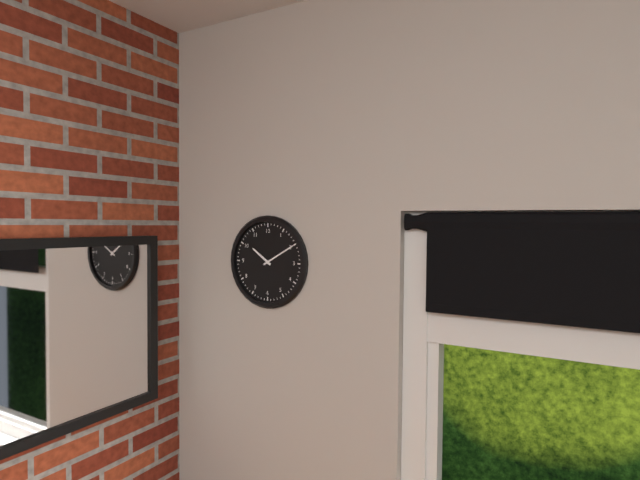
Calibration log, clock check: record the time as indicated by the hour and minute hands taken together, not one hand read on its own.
10:10
